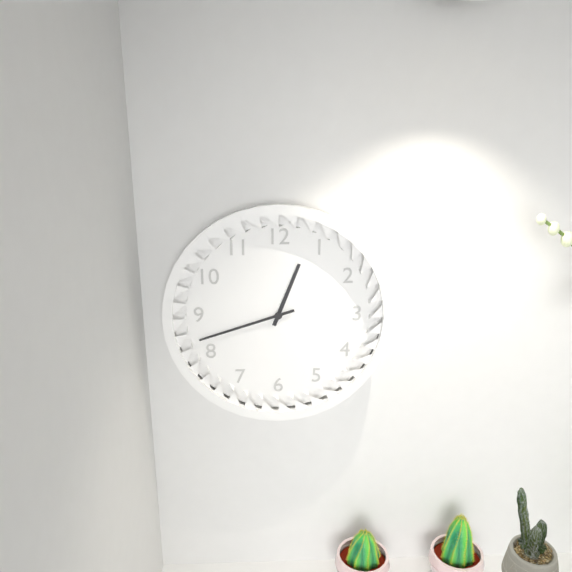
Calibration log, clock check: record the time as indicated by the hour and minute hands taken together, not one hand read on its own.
12:42
